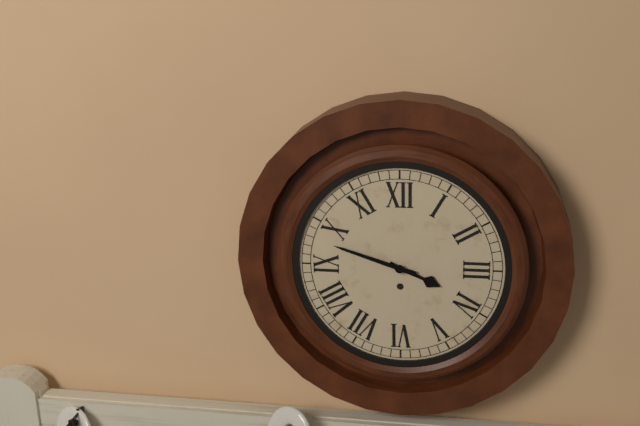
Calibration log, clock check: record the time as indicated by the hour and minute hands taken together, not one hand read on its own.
3:48
